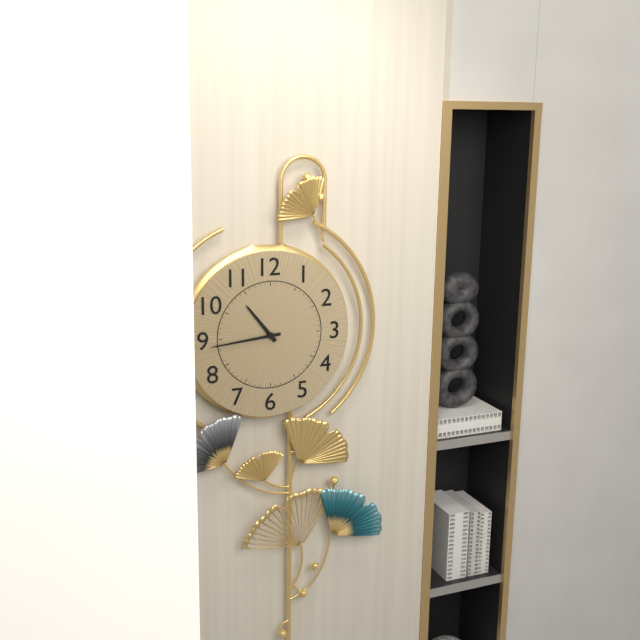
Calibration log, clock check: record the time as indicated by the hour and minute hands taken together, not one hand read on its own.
10:44
